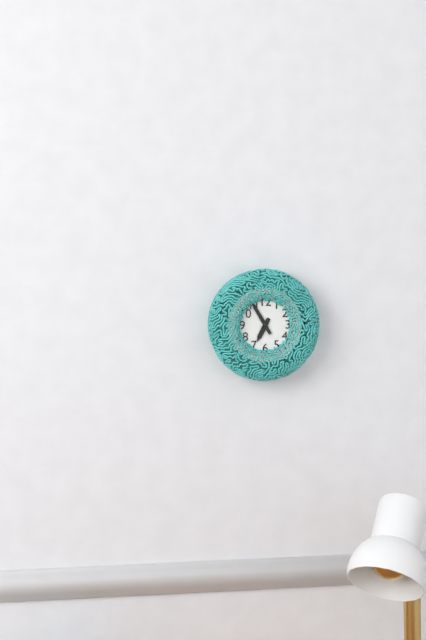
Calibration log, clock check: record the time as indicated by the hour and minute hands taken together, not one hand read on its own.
6:55
